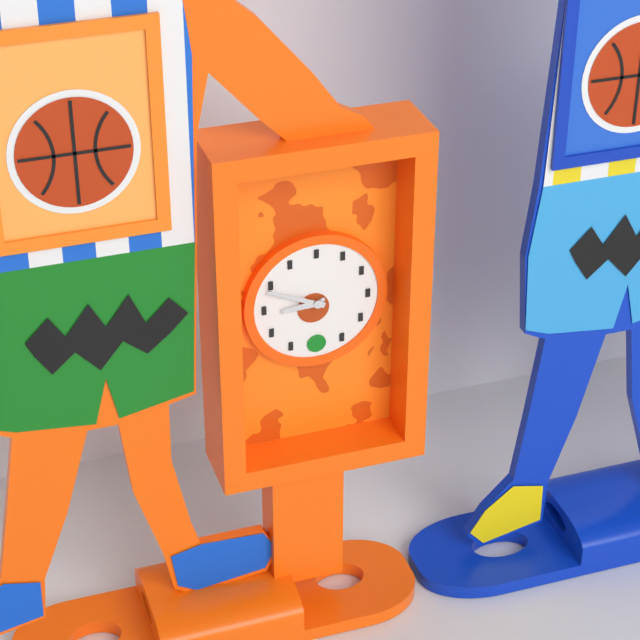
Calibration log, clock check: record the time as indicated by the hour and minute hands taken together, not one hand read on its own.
8:49
